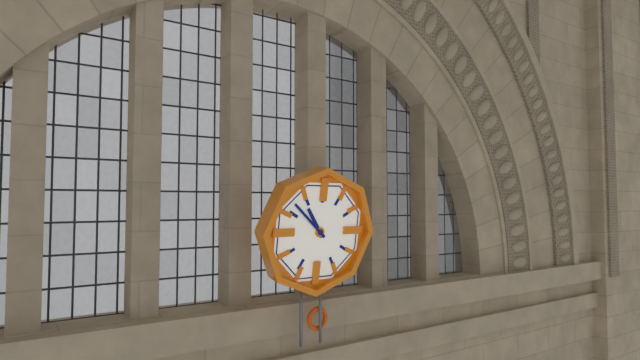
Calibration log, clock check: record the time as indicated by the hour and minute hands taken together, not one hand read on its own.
10:52
